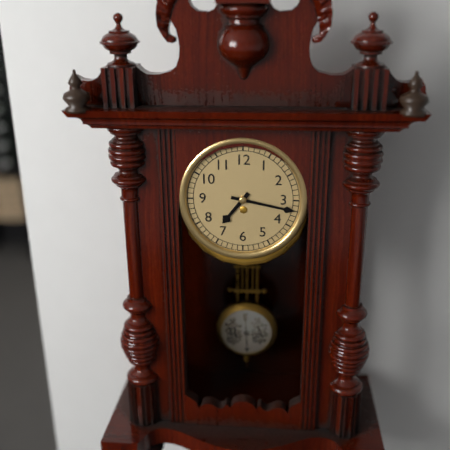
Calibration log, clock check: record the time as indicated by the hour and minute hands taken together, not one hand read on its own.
7:17
